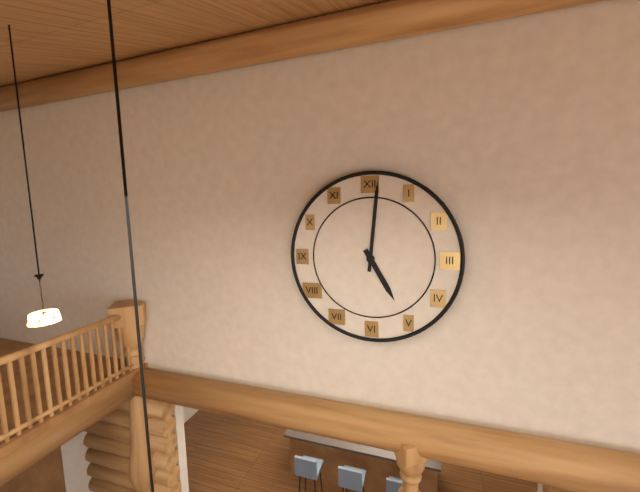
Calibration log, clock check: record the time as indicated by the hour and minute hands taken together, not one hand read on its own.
5:01
